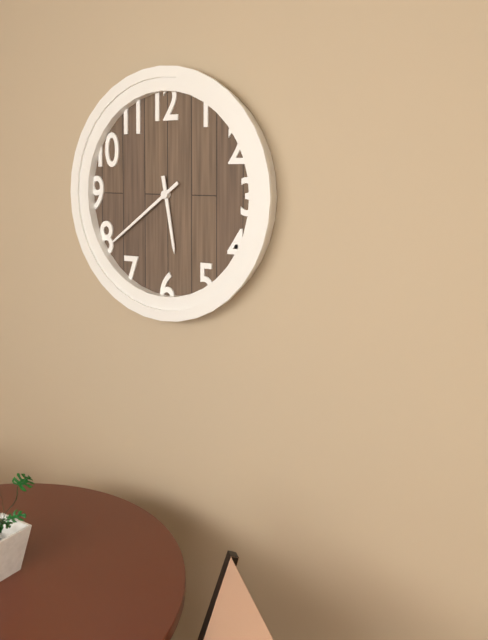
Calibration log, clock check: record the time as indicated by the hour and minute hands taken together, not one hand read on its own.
5:39
